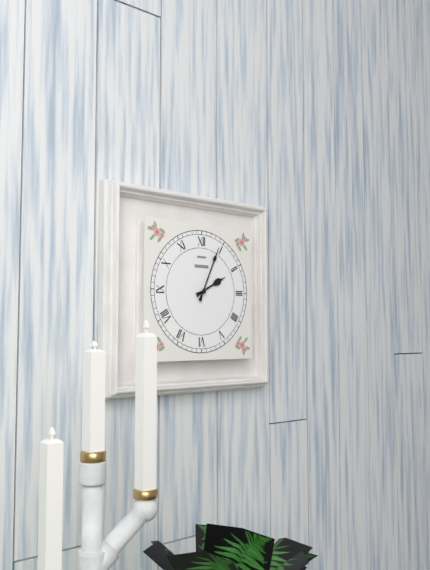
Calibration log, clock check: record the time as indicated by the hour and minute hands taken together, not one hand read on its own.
2:04
